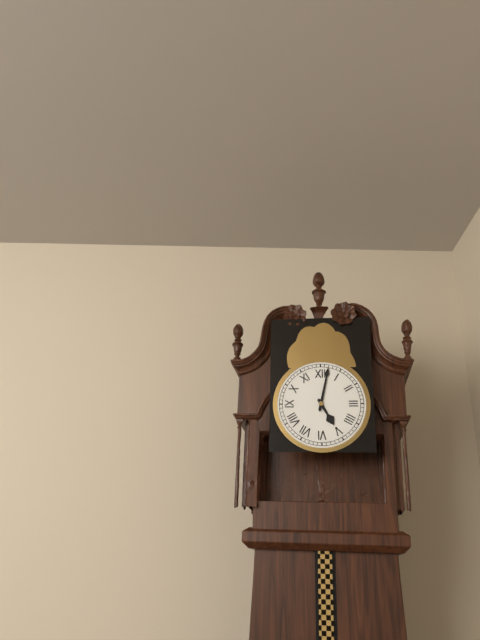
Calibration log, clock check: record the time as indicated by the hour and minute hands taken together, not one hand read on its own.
5:02
